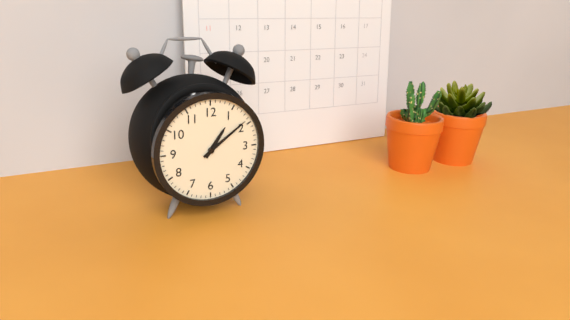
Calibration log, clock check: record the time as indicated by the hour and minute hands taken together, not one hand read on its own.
1:09
